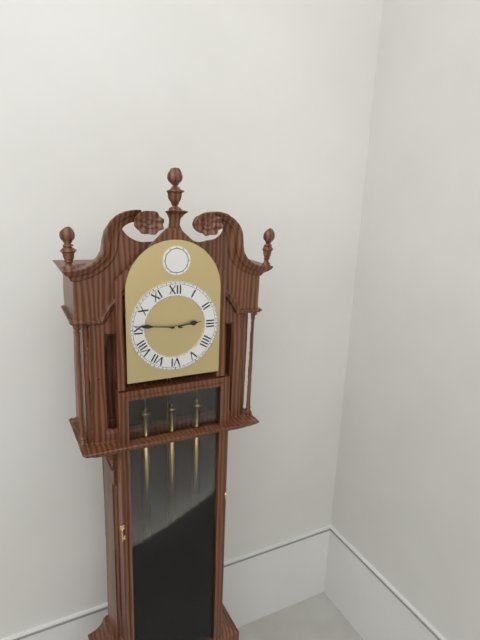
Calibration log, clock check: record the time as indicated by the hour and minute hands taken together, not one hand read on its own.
2:46
